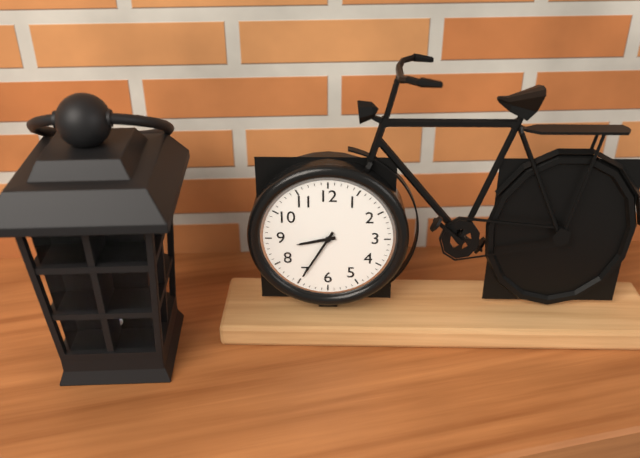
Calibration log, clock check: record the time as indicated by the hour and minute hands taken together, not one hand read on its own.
8:35
